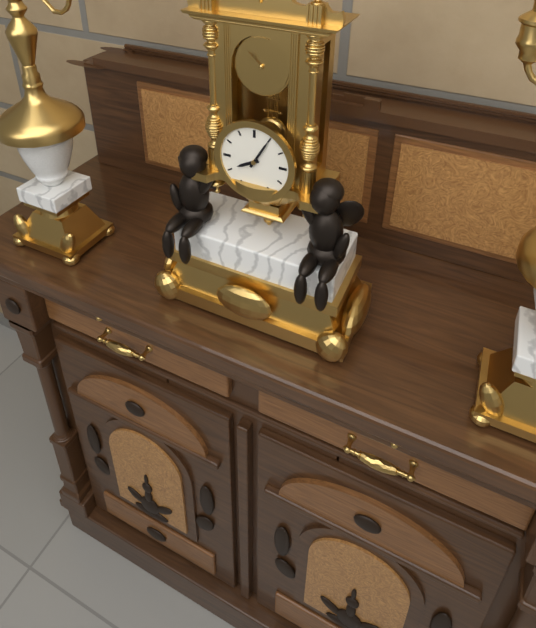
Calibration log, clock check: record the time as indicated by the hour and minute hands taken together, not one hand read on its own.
8:05
